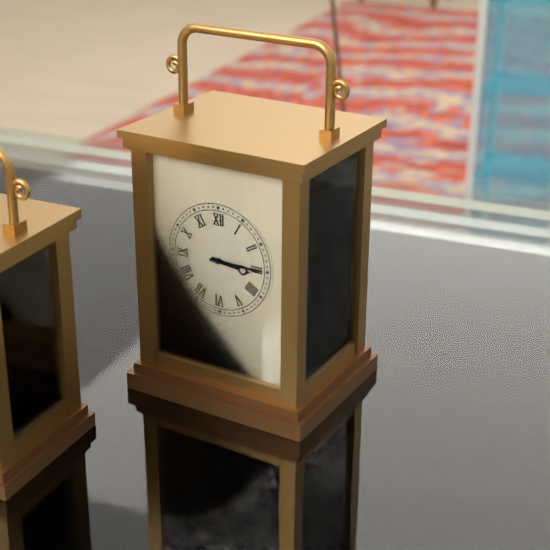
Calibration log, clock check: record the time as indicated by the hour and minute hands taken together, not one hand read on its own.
3:15
